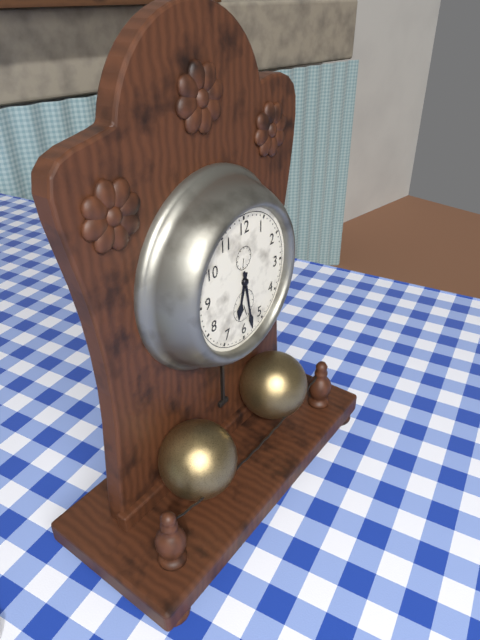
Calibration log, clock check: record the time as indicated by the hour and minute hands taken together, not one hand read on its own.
6:28
